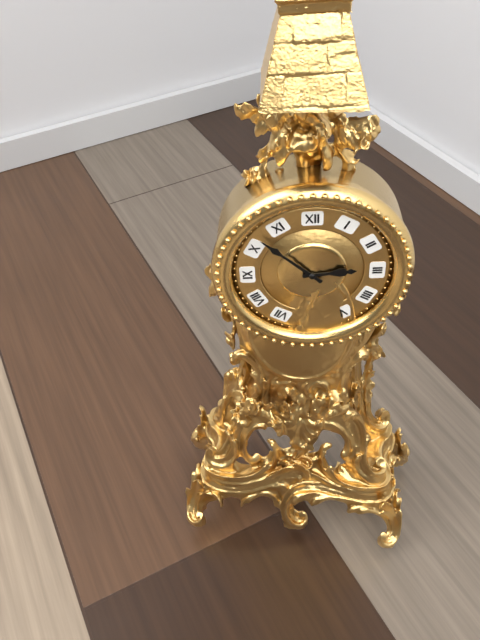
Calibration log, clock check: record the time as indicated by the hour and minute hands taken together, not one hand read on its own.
2:52
